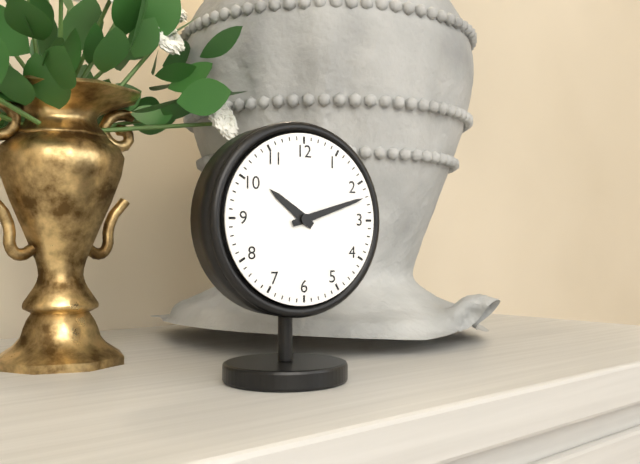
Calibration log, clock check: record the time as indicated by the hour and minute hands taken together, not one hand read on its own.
10:12
